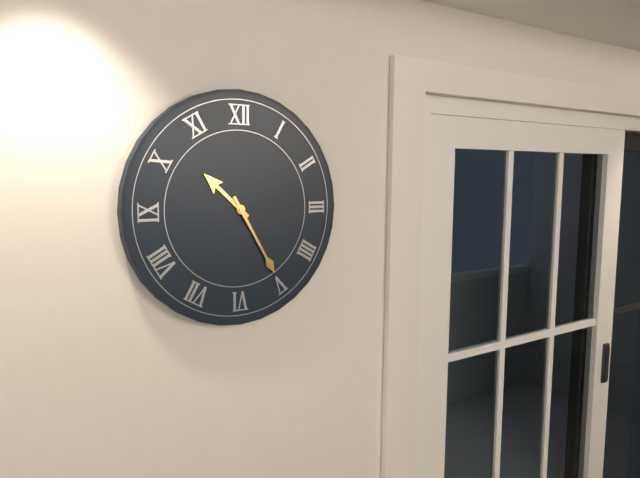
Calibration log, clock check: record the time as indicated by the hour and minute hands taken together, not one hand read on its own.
10:25
